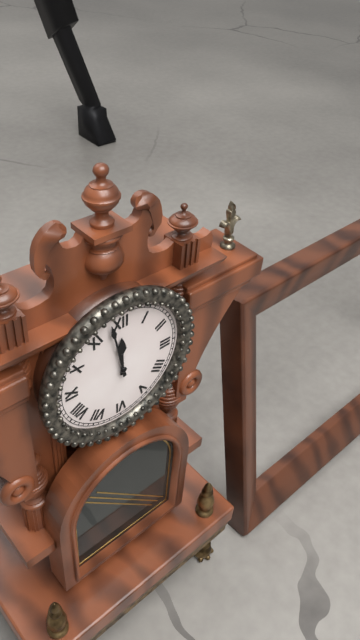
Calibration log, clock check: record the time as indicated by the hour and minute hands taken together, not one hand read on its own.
11:58
